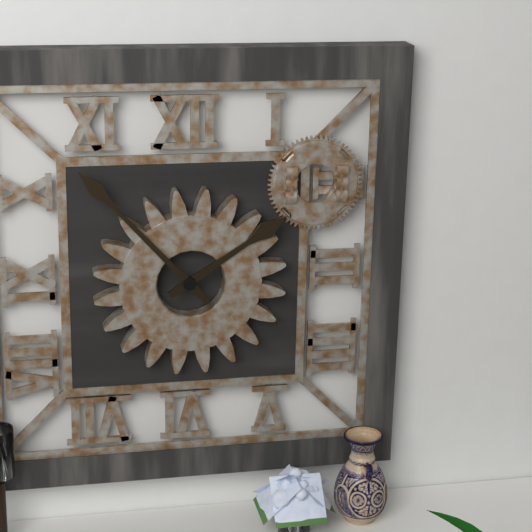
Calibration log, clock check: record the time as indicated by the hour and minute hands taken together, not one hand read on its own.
1:53
